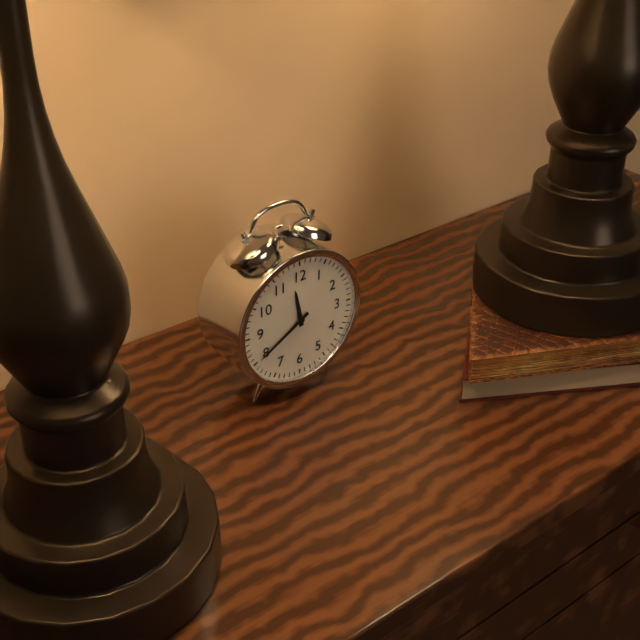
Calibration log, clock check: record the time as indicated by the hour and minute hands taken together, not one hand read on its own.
11:40
